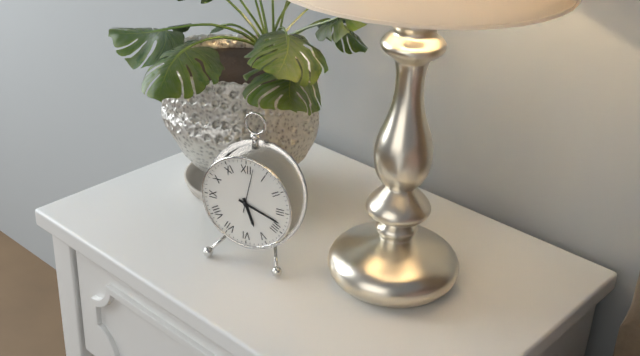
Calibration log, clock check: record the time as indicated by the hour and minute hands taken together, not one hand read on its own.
5:18
